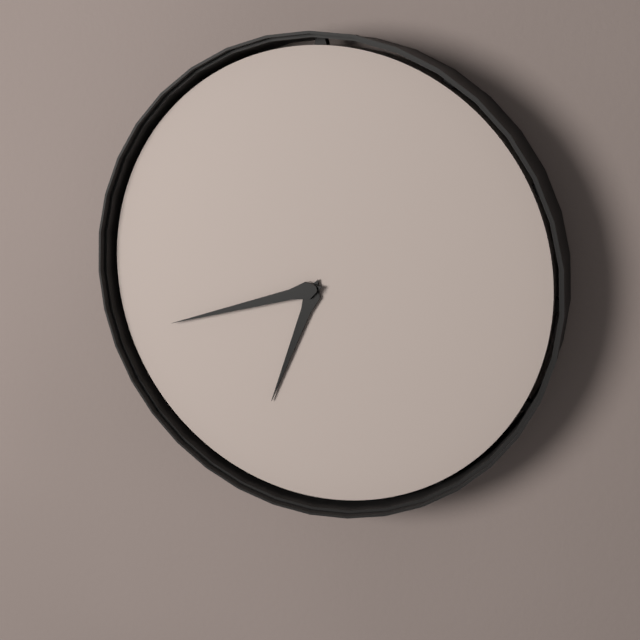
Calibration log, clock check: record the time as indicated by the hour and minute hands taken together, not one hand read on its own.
6:42
